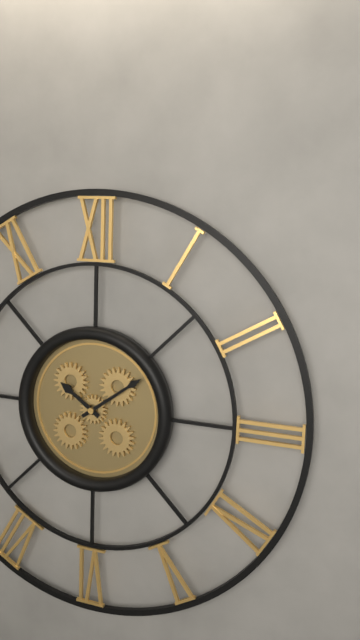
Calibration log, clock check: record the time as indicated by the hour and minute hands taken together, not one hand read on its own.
10:09
